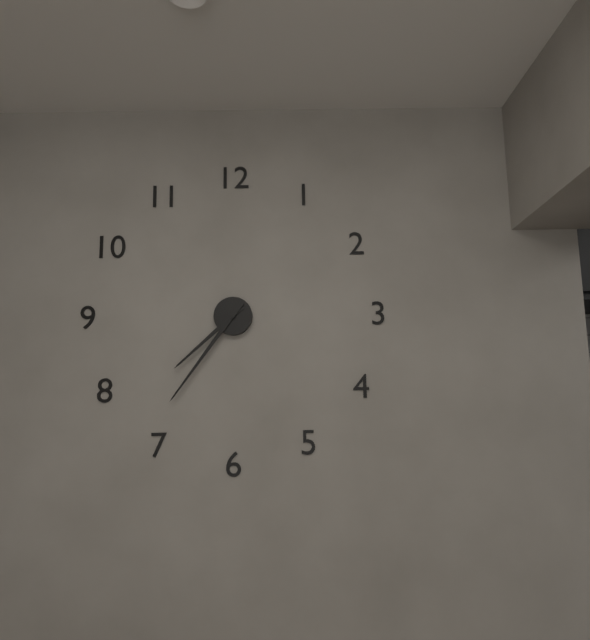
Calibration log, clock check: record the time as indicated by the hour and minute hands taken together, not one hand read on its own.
7:36
